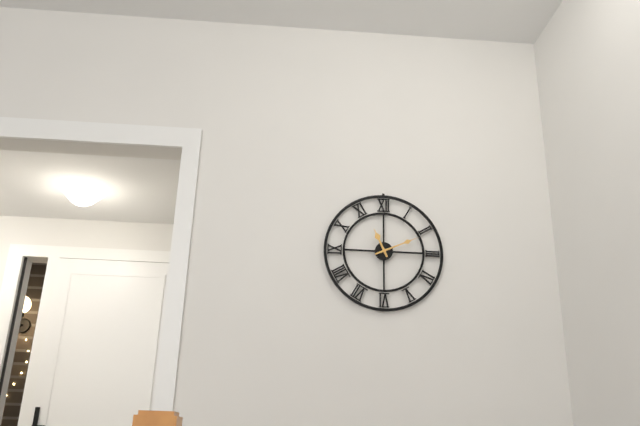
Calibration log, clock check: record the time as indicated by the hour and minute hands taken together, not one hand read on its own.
11:11
